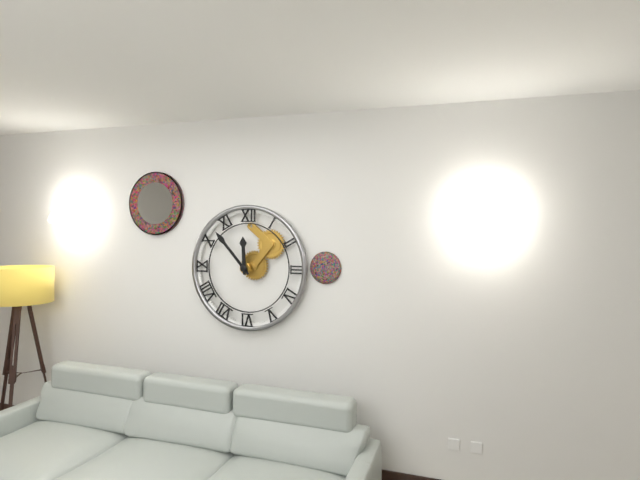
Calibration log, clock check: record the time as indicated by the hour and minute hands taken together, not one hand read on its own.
11:53
